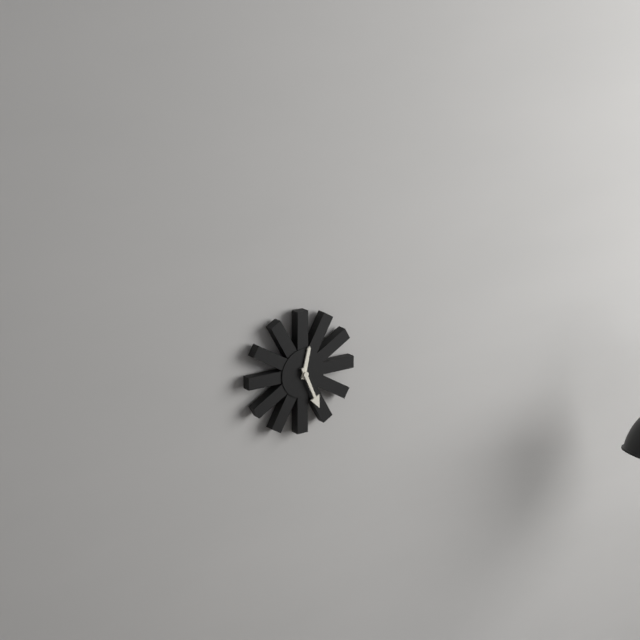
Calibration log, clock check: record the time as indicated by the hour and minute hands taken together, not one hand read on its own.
12:26
